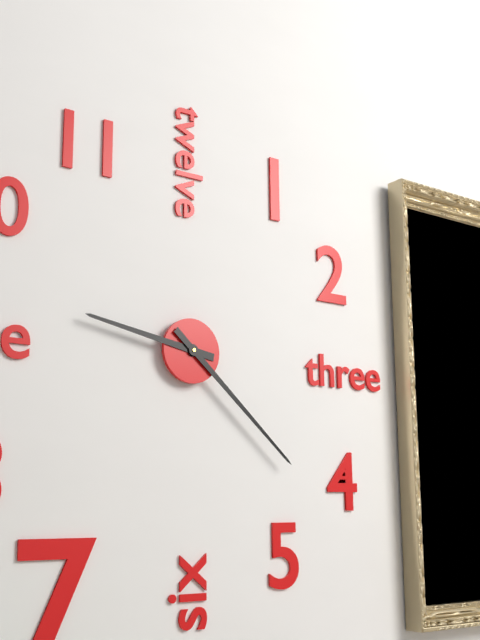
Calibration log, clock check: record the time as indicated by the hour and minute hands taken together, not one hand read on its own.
9:22
